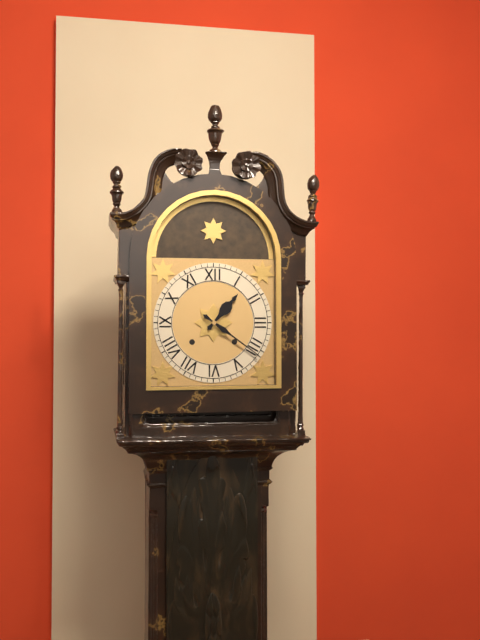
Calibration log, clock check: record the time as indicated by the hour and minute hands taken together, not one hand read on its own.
1:21
